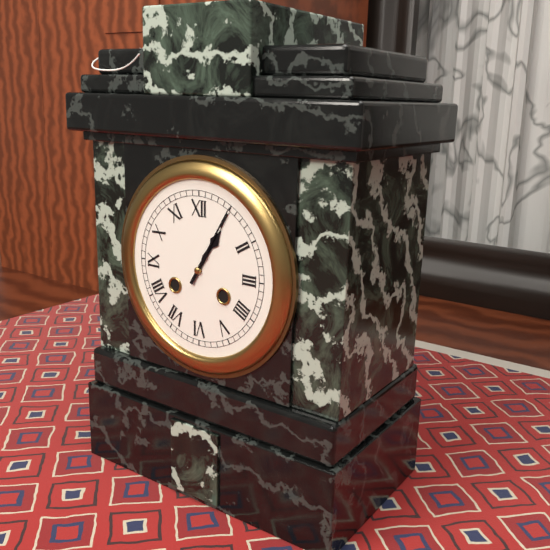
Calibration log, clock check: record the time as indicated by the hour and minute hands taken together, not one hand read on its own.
1:05
